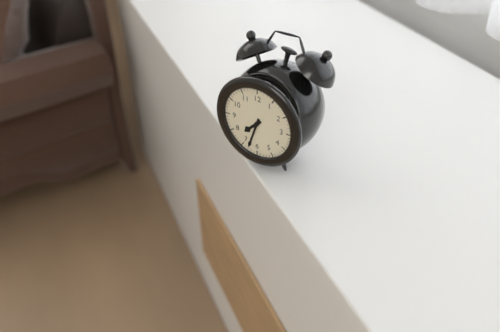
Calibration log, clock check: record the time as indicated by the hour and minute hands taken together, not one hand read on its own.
7:33
